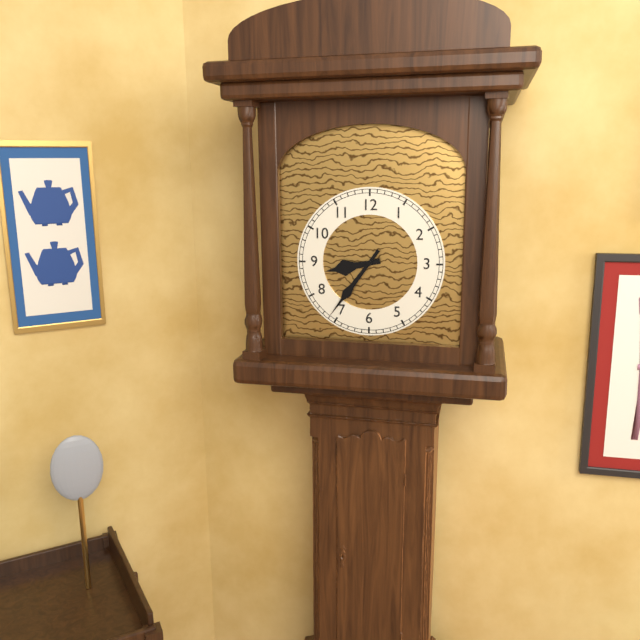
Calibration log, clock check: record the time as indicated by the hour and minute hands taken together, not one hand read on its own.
8:36
